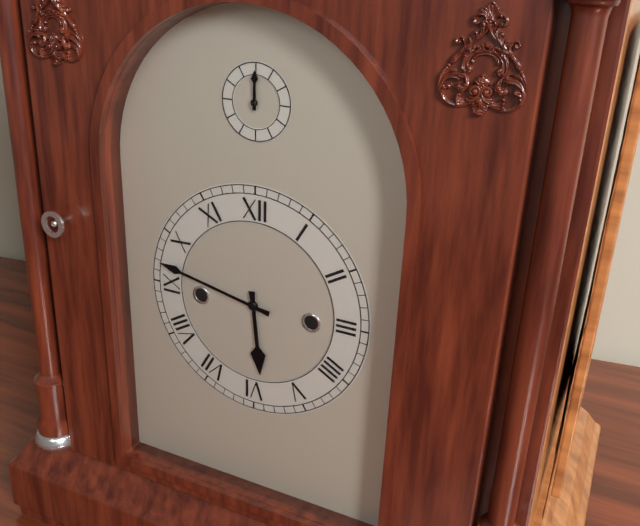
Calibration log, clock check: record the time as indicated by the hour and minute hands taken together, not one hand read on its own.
5:47
